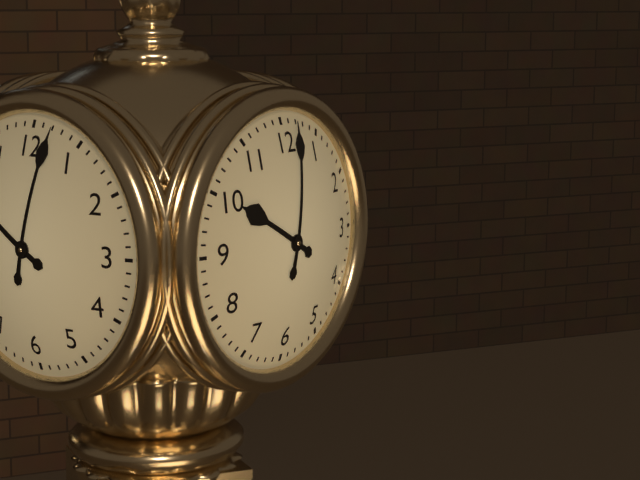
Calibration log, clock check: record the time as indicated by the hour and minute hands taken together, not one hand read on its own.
10:02
